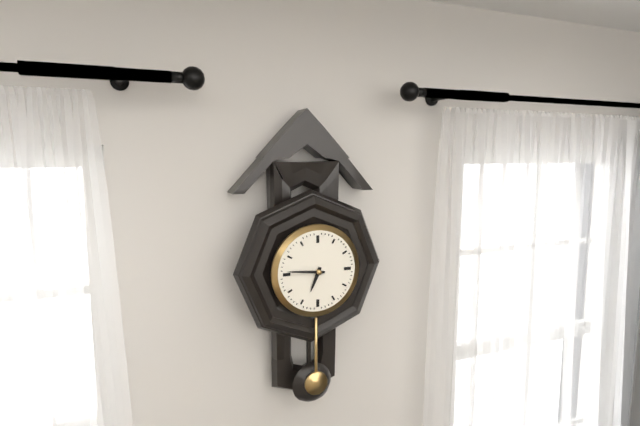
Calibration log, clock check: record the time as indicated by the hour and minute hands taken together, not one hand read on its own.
6:46
